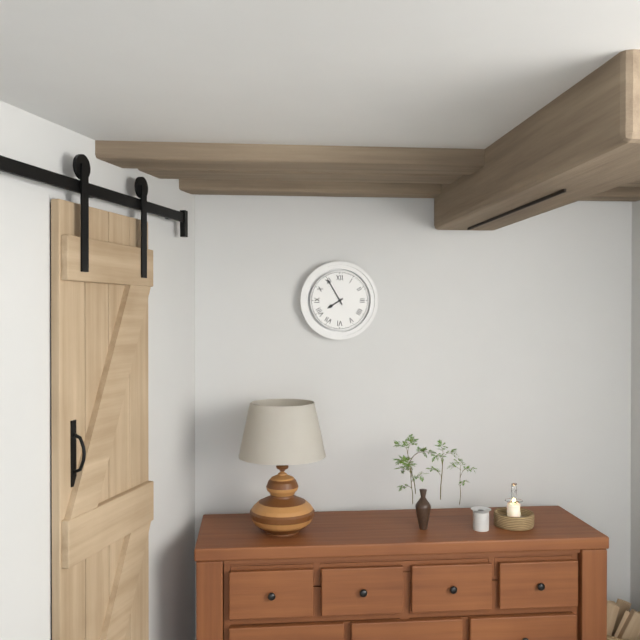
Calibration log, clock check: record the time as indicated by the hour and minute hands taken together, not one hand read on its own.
7:55
